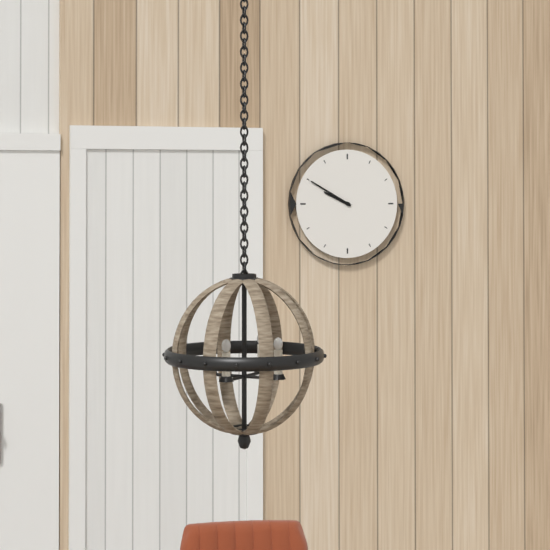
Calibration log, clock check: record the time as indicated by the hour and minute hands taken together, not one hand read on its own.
9:50
